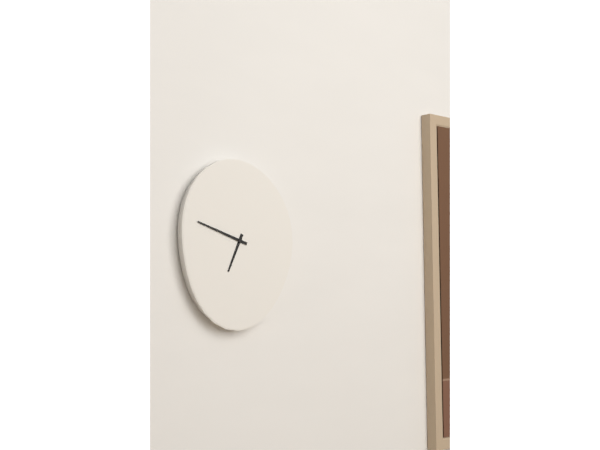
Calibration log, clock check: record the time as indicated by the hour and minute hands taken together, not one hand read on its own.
6:48
